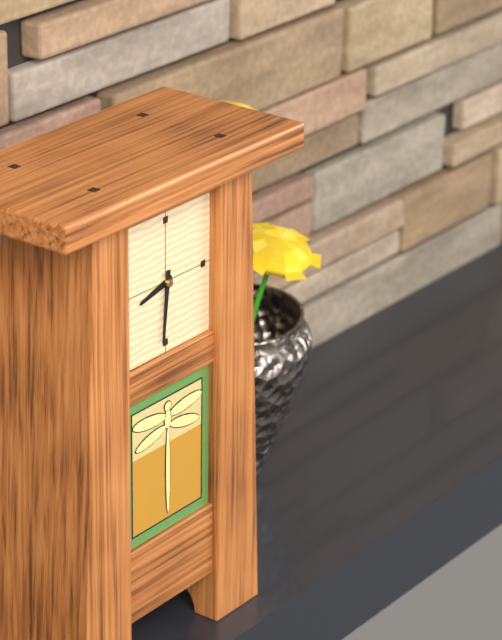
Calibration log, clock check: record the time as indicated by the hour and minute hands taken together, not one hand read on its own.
8:31
